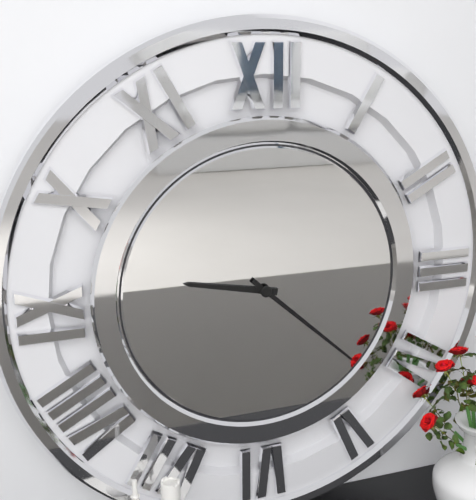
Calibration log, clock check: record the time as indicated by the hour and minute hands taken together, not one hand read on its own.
9:22
